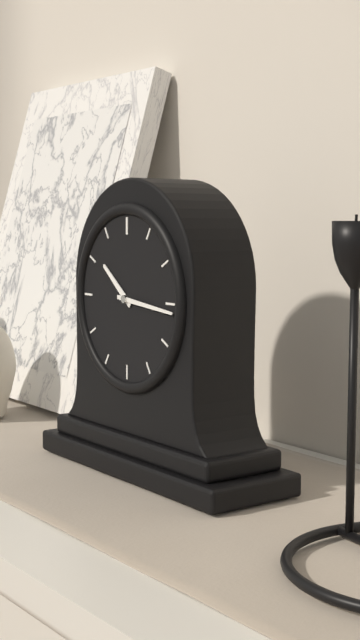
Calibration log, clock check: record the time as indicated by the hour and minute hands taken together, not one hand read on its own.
10:16
